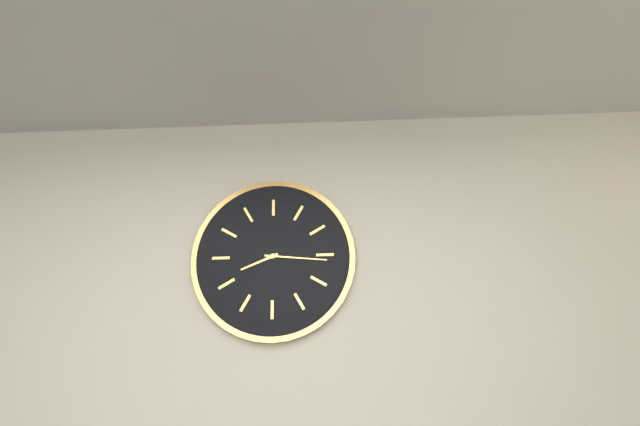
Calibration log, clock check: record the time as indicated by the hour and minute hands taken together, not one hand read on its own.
8:16
